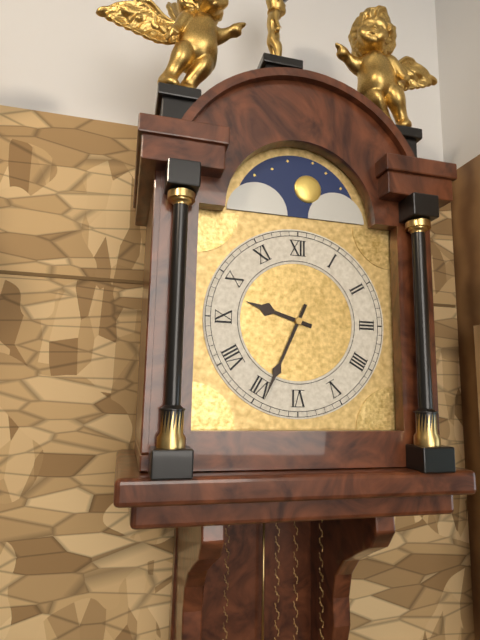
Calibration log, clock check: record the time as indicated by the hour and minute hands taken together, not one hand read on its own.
9:34
